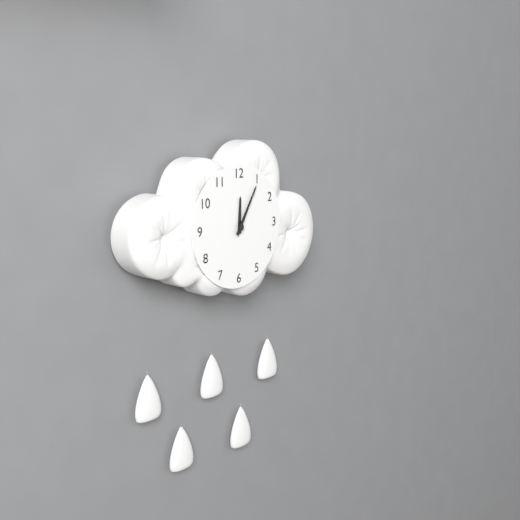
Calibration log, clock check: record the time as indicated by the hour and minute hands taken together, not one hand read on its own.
12:05
